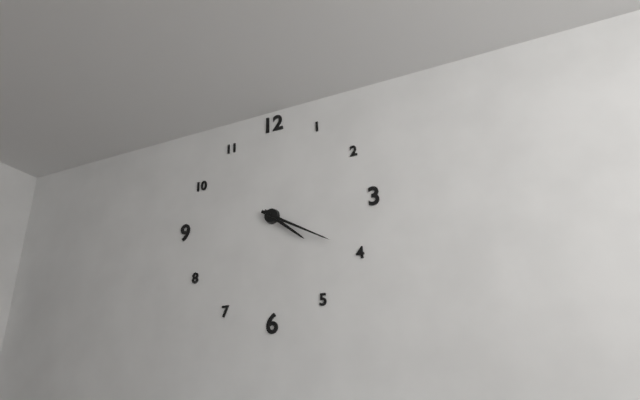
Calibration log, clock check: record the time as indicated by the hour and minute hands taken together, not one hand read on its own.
4:20
